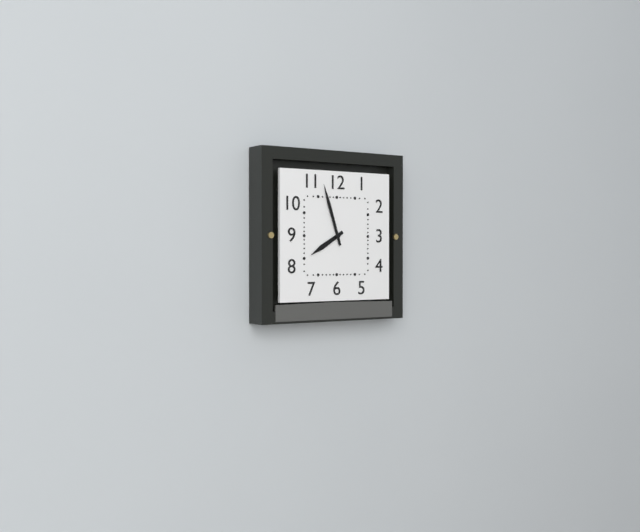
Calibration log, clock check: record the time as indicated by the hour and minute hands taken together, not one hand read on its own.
7:57
